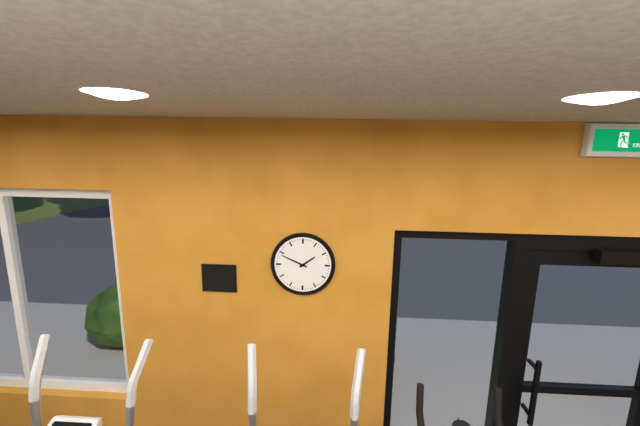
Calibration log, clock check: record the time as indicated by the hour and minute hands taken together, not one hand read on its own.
1:49
